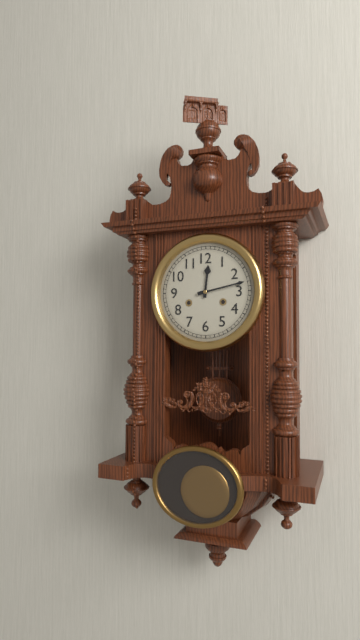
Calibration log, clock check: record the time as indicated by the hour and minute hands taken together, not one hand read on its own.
12:13
